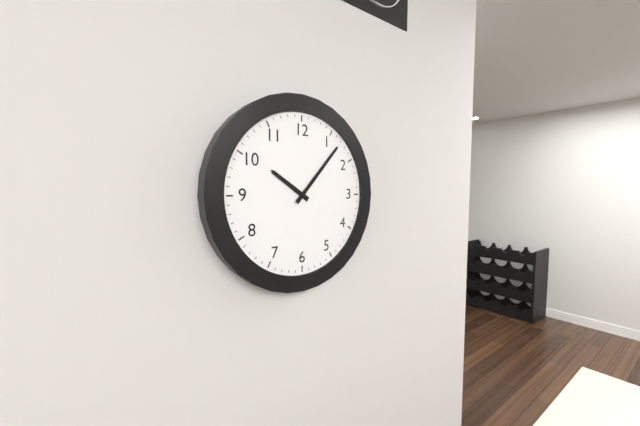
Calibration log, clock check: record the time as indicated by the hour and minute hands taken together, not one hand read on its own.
10:07
